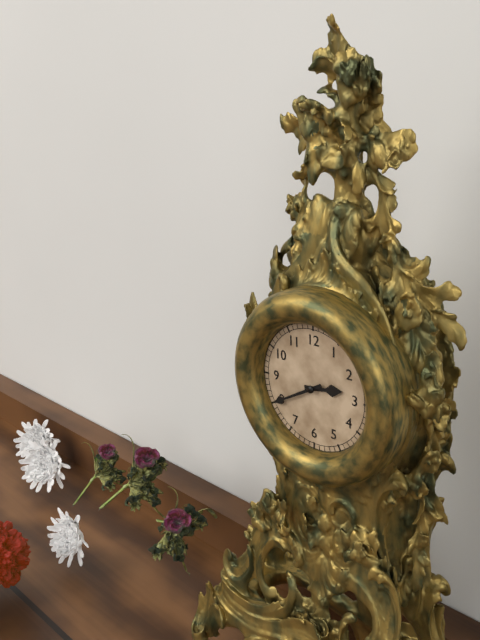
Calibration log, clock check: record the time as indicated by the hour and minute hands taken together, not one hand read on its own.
2:40
